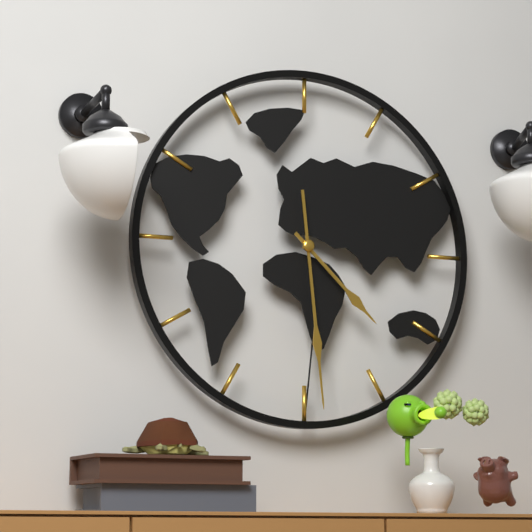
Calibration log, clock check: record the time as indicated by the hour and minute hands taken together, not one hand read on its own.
4:29
